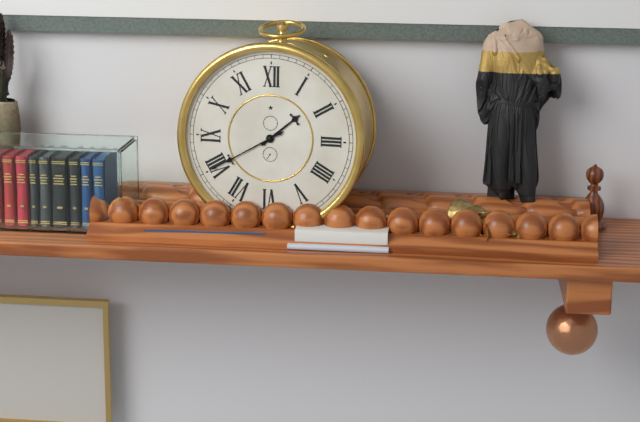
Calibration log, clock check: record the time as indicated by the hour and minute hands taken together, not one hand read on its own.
1:40
